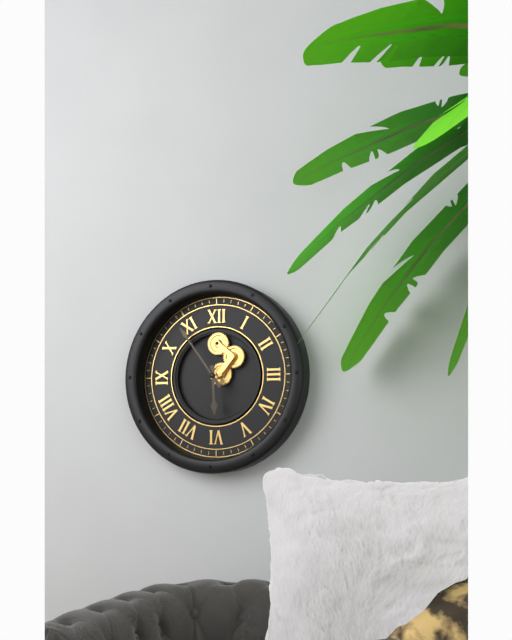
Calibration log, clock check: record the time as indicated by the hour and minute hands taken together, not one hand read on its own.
5:54
